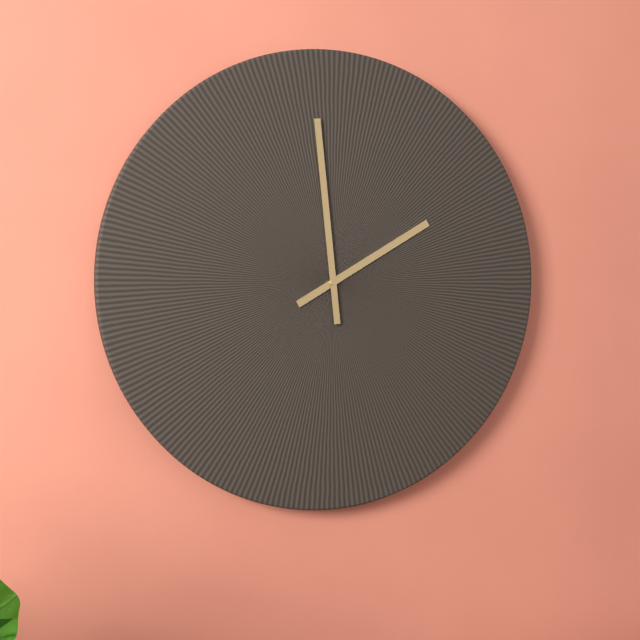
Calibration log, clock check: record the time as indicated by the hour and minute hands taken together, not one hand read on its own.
1:59
